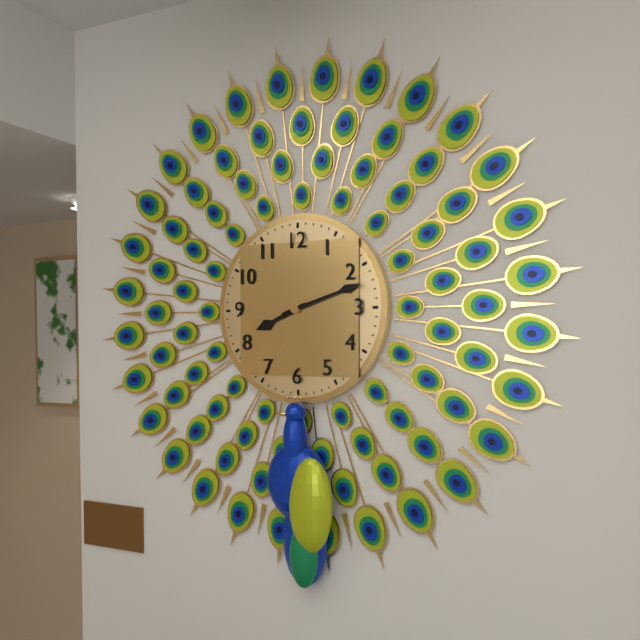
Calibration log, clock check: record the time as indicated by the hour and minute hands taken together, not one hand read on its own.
8:12
